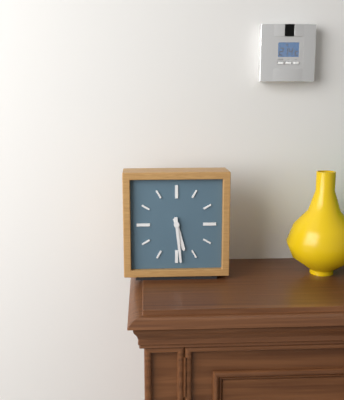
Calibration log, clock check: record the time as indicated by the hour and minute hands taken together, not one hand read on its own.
5:29
